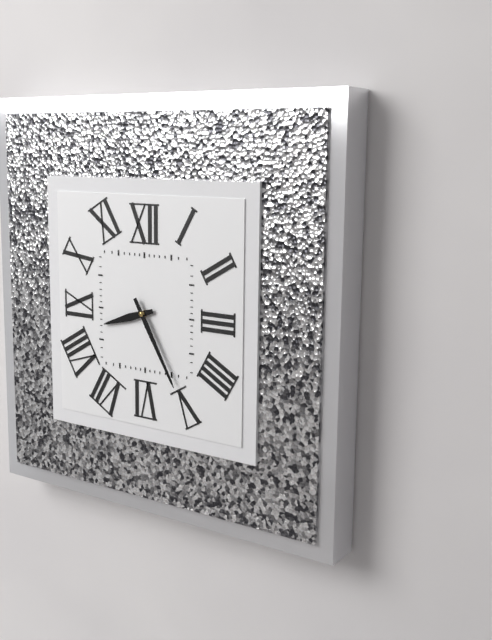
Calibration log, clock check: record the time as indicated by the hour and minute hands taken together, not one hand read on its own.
8:25
